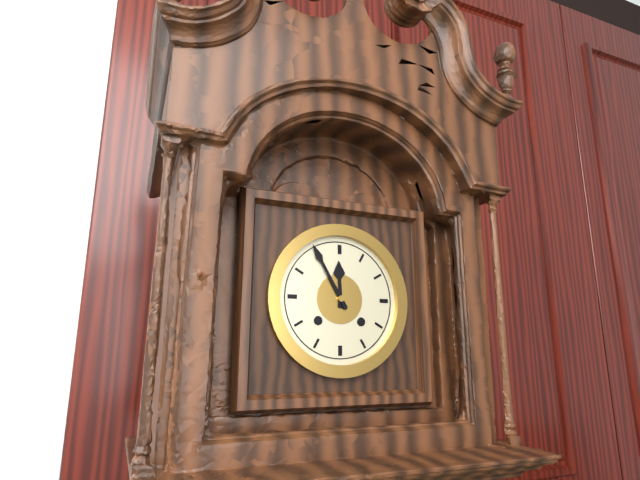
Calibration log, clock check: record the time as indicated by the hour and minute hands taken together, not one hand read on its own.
11:55
